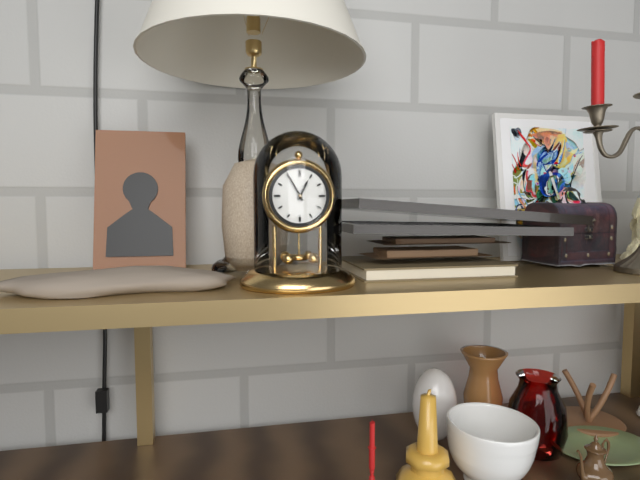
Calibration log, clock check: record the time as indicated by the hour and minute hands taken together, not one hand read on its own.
12:55
